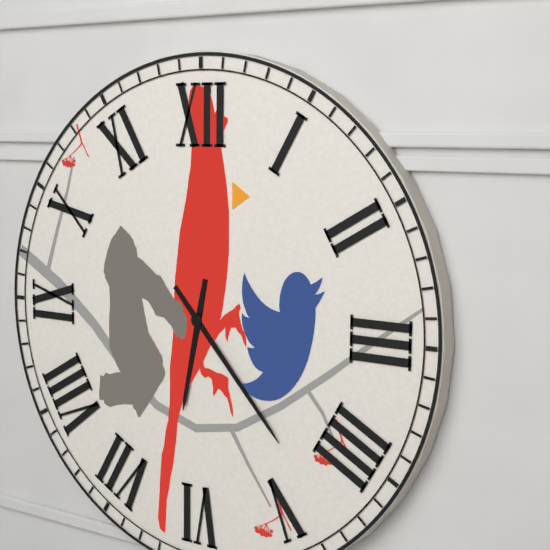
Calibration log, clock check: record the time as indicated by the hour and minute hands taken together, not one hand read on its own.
6:23
